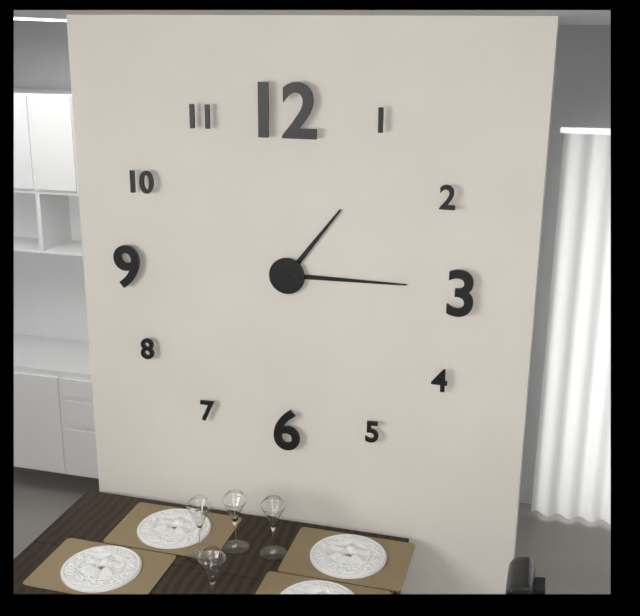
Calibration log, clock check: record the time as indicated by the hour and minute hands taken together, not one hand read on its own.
1:15
